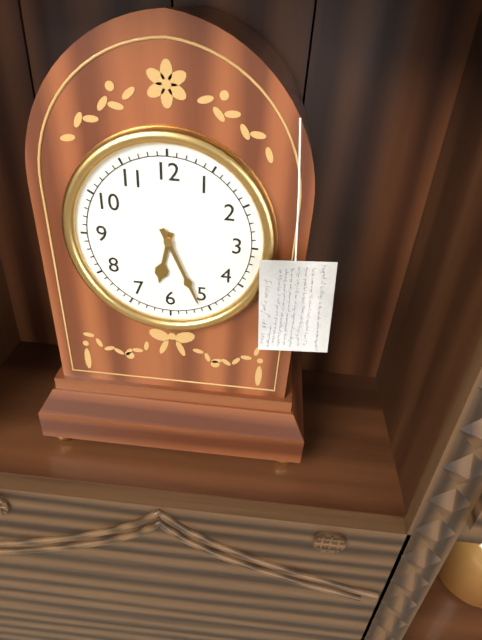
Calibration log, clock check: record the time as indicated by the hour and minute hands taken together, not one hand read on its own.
6:26
